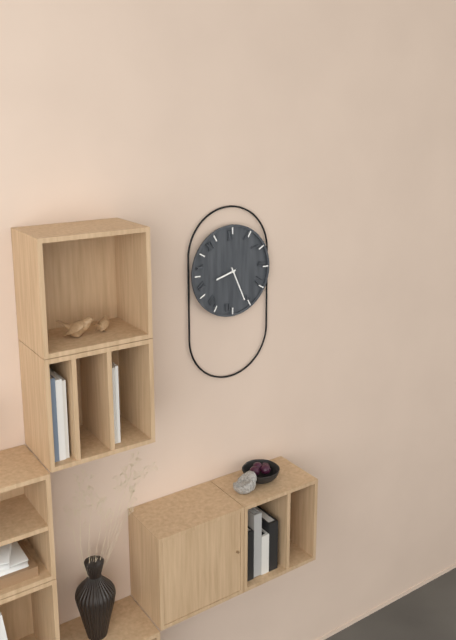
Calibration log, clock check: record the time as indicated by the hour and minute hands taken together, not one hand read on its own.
8:26
